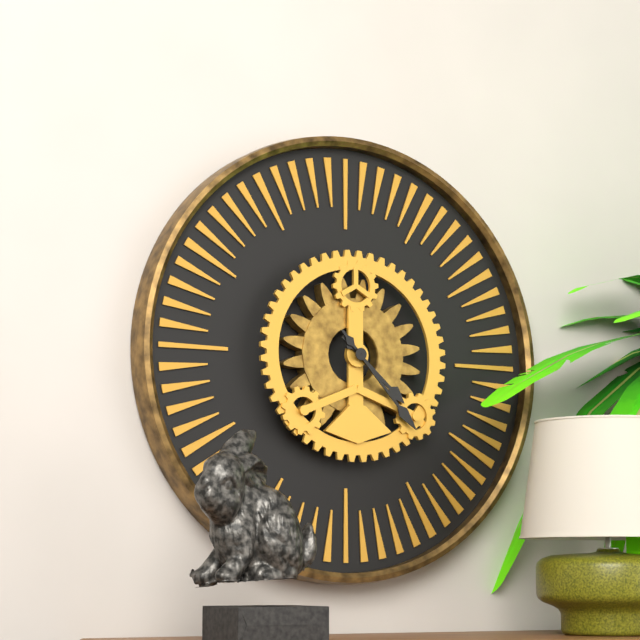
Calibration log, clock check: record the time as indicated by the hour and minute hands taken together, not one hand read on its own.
4:23
